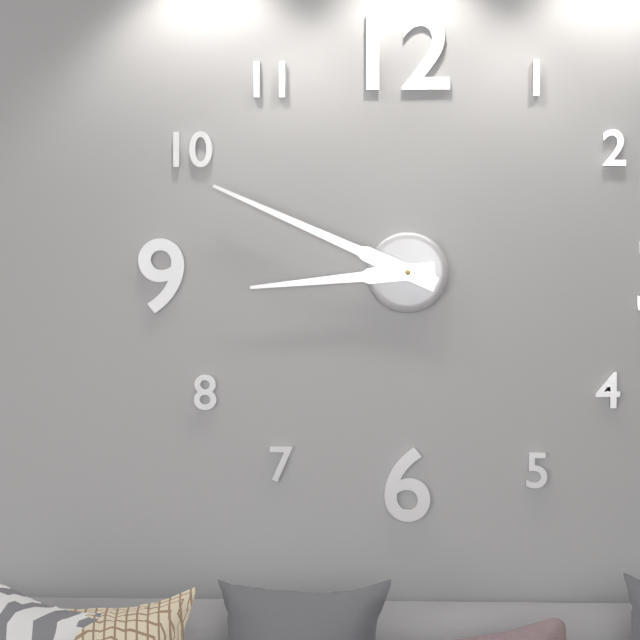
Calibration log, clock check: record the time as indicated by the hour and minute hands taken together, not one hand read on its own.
8:49
